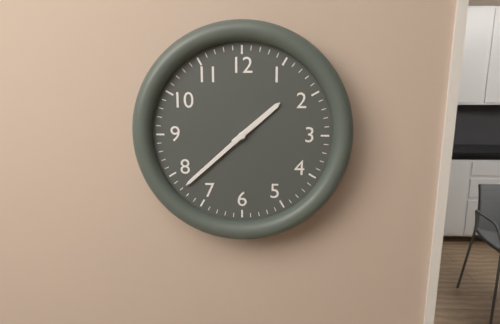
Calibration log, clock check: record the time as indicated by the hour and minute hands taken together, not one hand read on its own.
1:38
